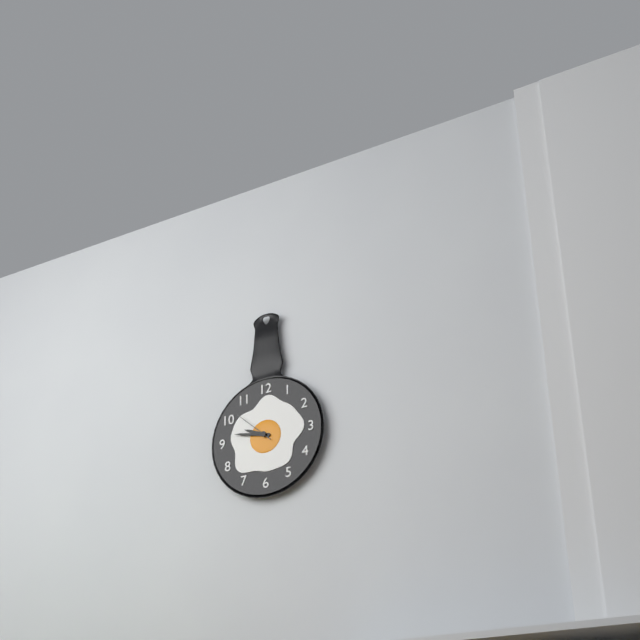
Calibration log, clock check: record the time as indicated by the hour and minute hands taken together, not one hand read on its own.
9:47
